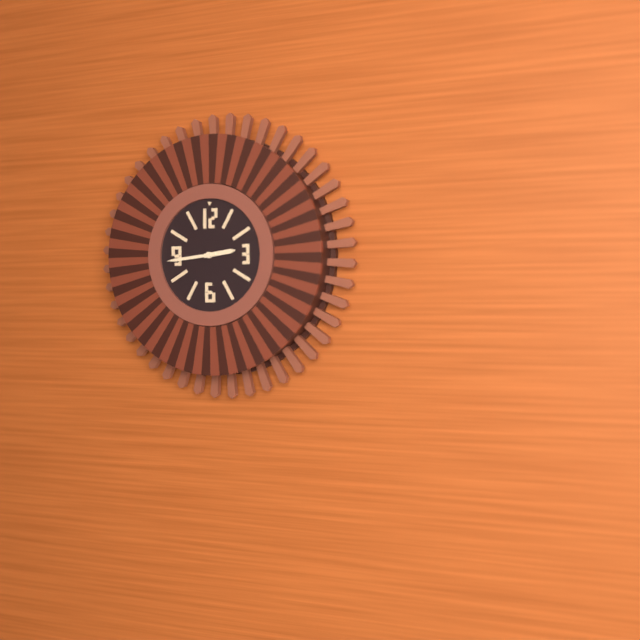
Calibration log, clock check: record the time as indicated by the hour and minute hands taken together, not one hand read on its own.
2:44
